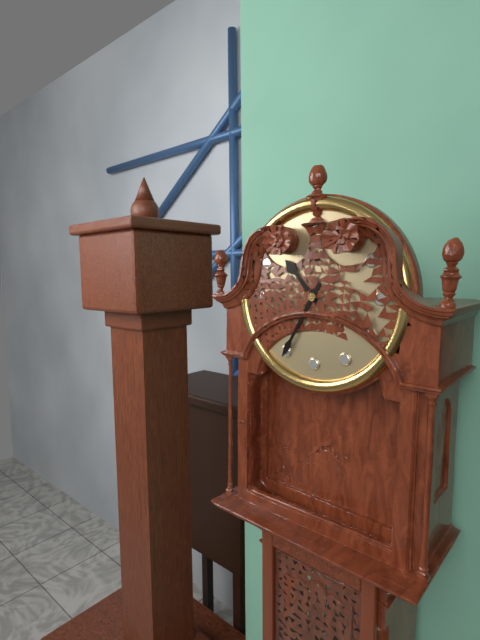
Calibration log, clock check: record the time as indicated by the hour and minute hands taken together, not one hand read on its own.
10:35
